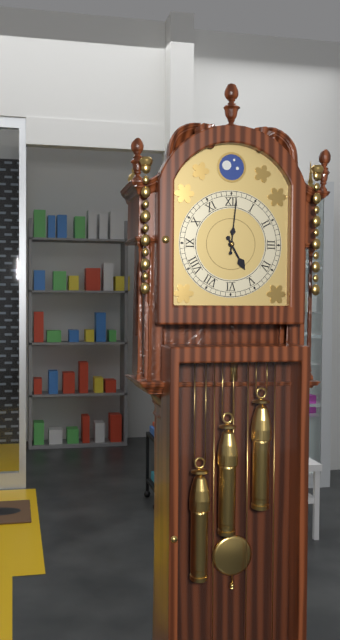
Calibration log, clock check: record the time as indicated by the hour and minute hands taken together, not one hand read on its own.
5:01
